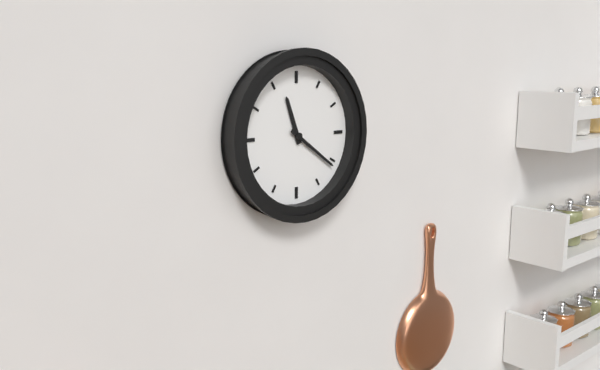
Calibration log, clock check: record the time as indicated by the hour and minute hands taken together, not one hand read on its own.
11:21
